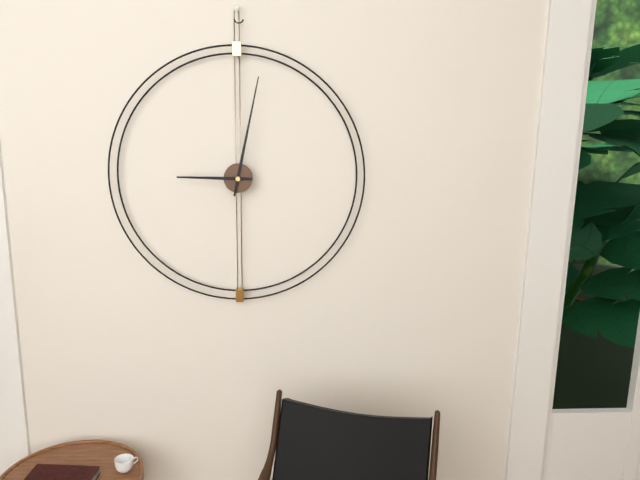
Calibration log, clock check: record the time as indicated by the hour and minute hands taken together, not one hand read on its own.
9:02
